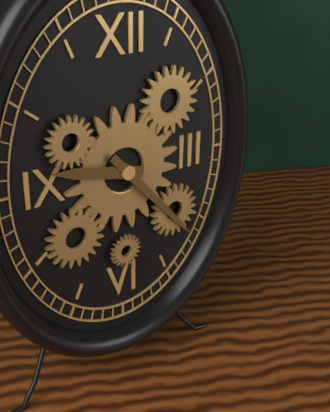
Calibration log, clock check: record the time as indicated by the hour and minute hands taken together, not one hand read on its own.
9:23
